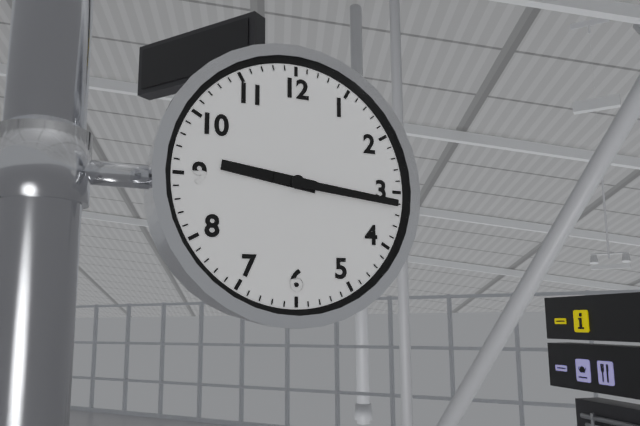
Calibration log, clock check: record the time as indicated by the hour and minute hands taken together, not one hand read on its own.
9:16
